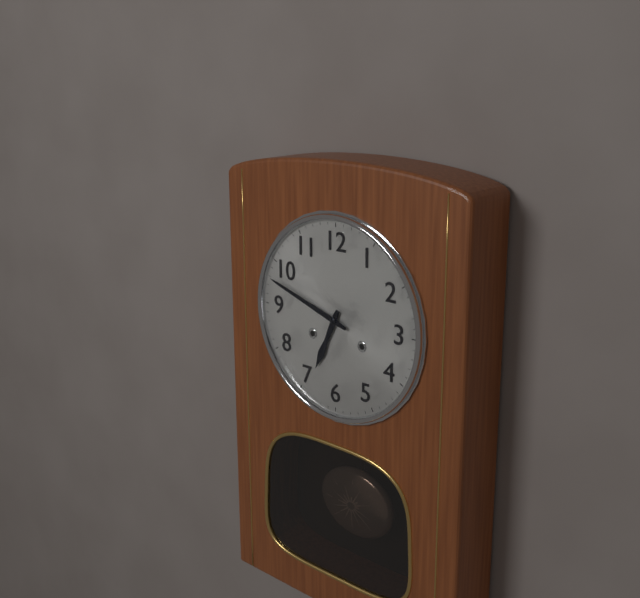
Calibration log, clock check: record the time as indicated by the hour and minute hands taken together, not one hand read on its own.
6:48
